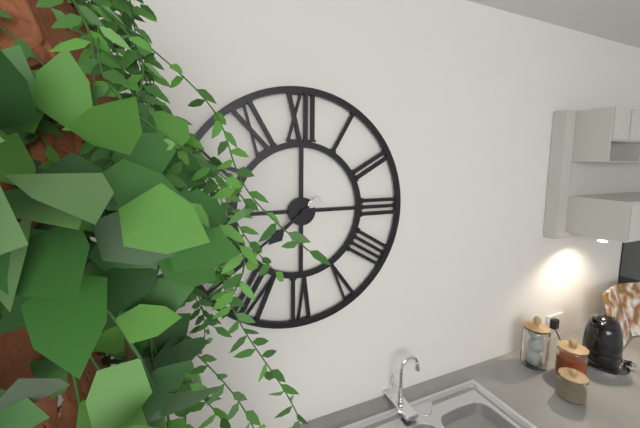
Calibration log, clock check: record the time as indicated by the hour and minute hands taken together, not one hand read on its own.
7:39
